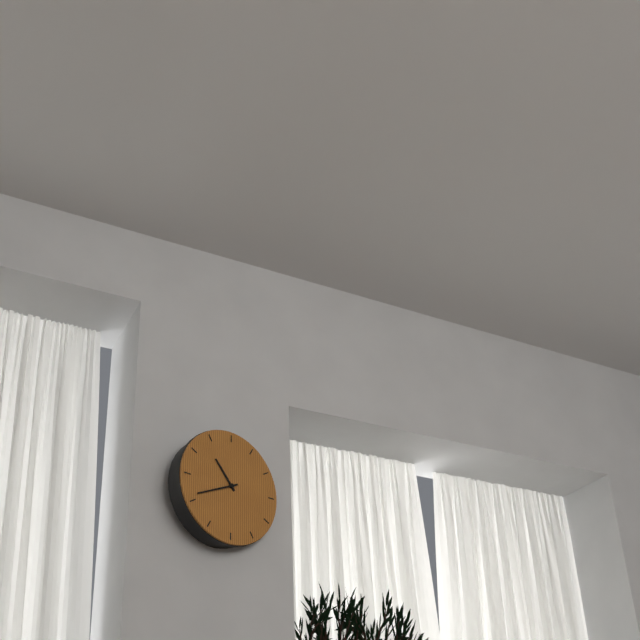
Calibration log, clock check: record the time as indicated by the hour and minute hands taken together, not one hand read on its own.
10:41
